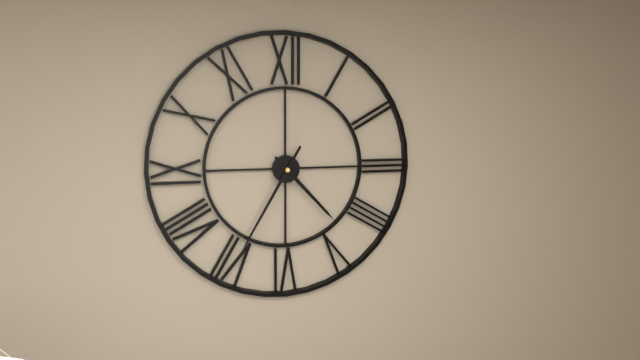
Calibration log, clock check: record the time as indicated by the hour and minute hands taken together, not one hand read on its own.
4:35
